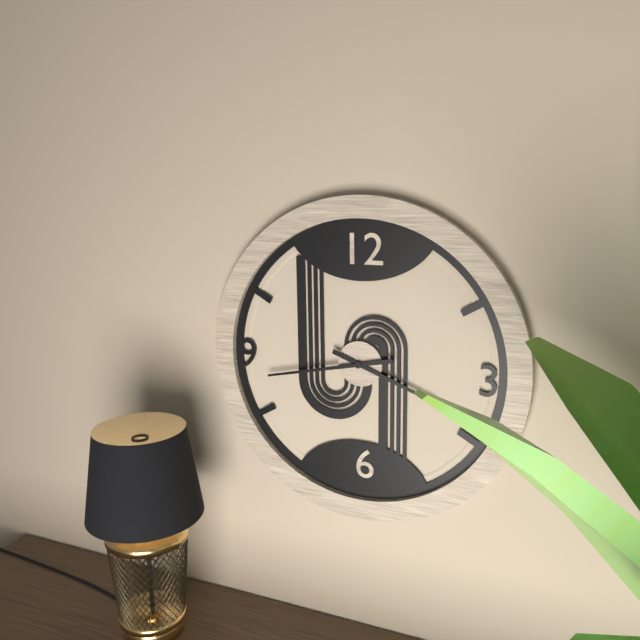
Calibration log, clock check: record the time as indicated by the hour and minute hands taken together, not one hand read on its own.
3:43
